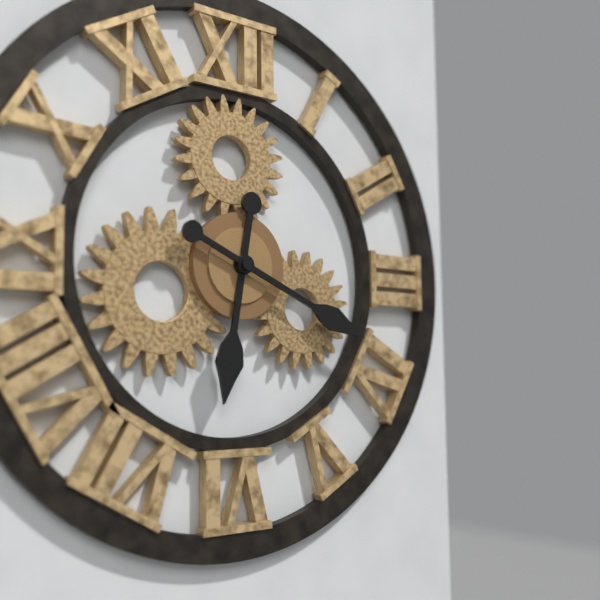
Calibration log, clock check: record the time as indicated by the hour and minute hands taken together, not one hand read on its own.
6:19
